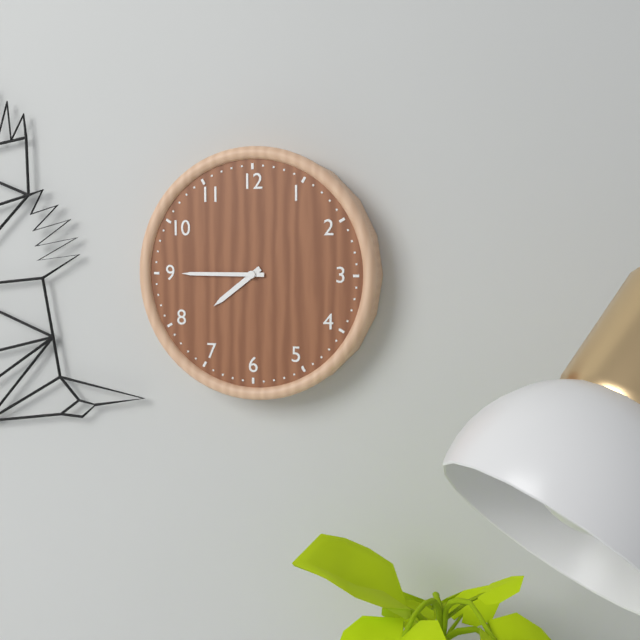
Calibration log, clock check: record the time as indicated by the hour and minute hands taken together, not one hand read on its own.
7:45
